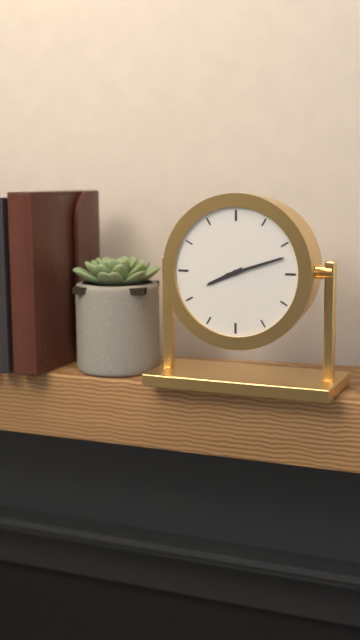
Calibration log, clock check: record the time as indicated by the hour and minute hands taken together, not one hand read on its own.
8:12
